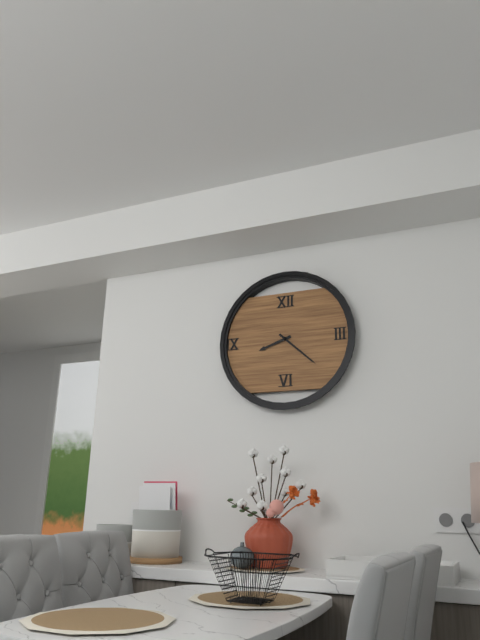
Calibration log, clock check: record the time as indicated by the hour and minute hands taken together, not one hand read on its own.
8:22
